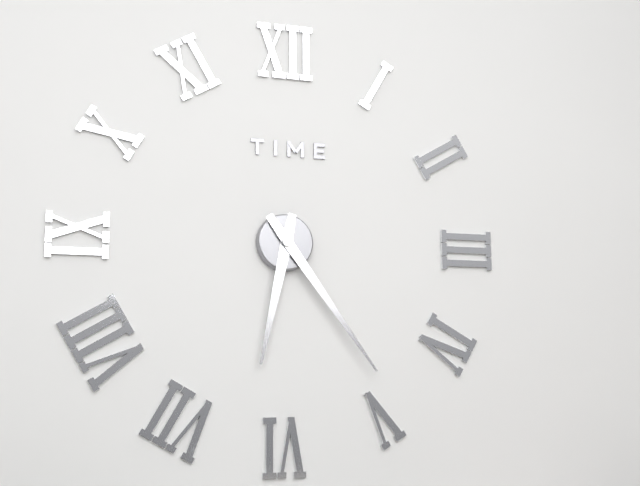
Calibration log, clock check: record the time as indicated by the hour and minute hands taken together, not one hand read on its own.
6:24
